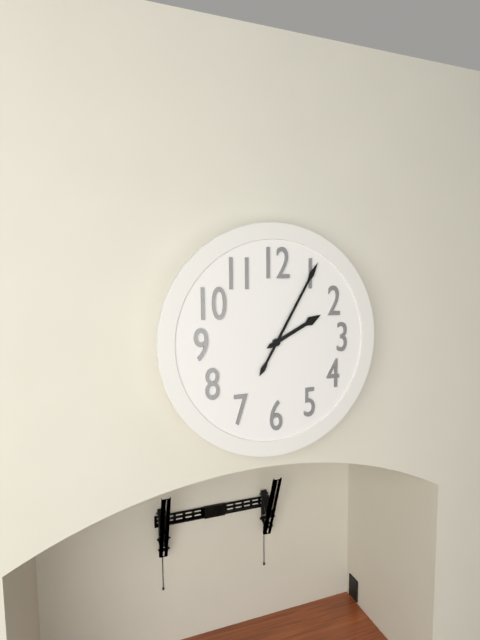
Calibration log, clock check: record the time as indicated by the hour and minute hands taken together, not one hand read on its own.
2:05
